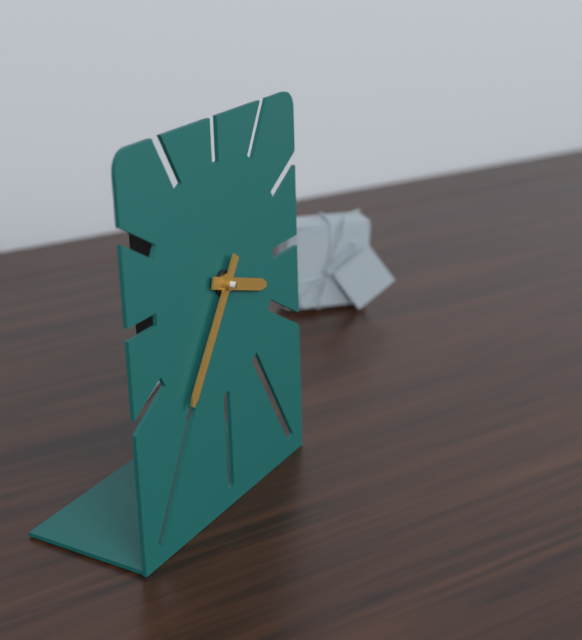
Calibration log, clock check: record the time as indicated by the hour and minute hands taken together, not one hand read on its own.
3:36
